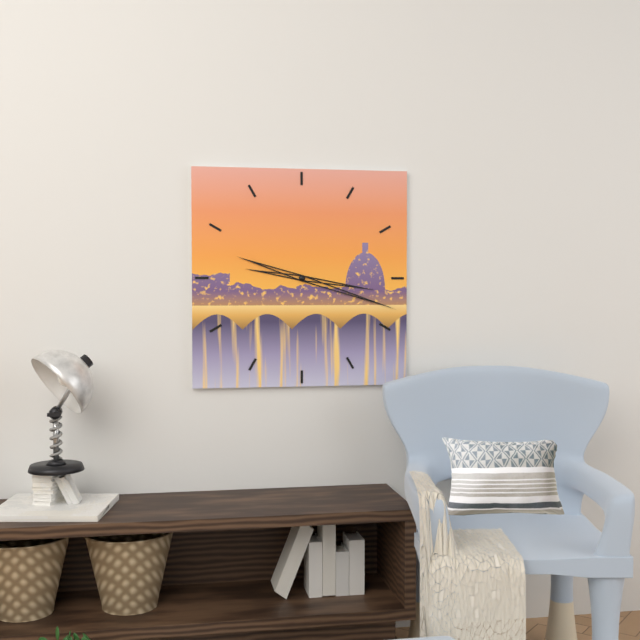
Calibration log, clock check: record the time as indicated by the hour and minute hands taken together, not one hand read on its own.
3:18
